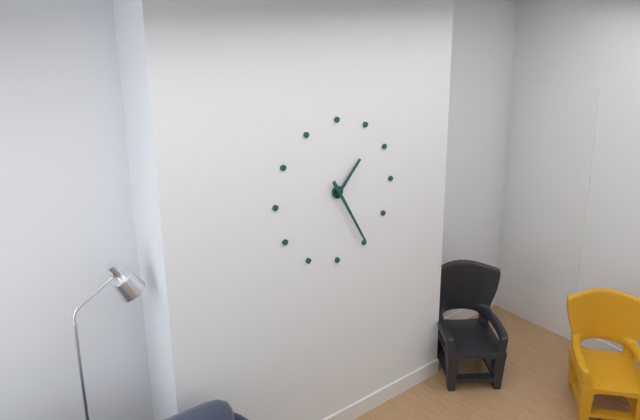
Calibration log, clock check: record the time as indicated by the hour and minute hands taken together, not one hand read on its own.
1:25
